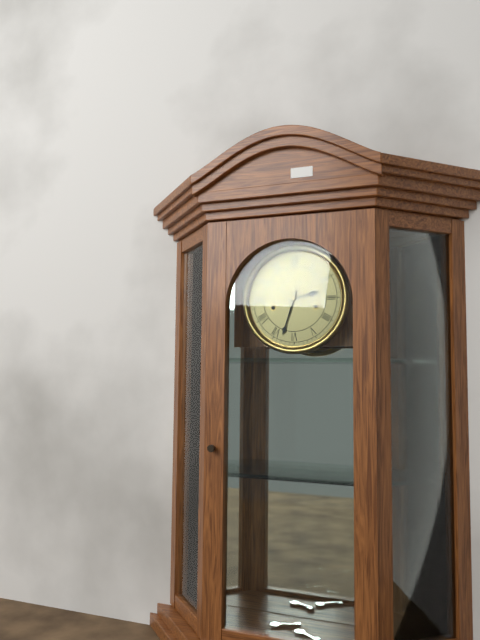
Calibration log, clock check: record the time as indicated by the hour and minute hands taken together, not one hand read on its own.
2:33
